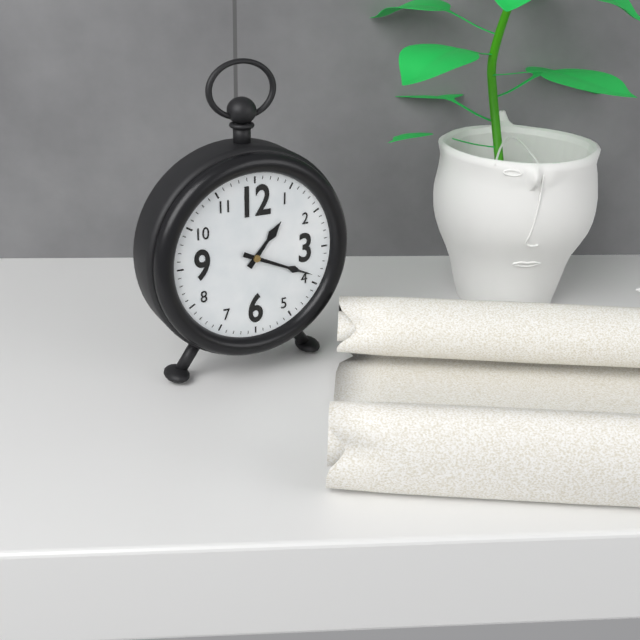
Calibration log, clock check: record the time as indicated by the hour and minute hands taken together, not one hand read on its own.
1:19
